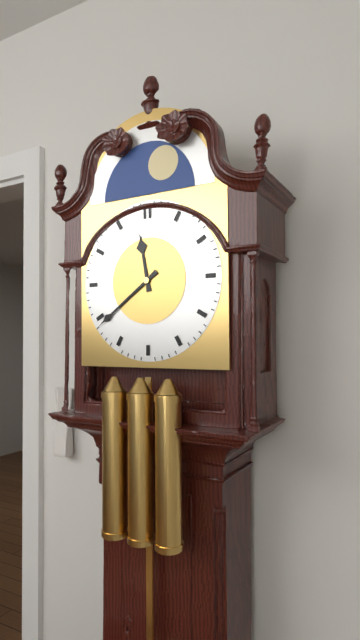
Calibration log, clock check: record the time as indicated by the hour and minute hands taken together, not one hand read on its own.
11:39
